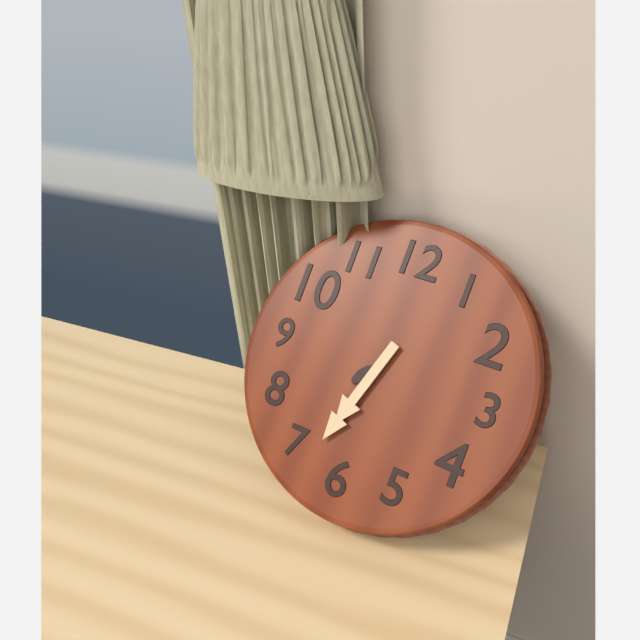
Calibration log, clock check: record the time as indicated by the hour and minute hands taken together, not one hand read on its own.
7:33
